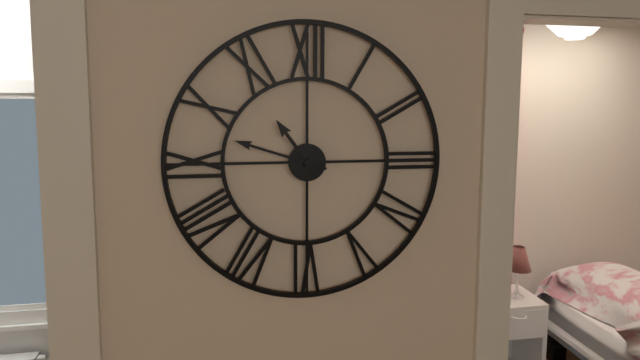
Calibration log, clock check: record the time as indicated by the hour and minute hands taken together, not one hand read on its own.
10:48
